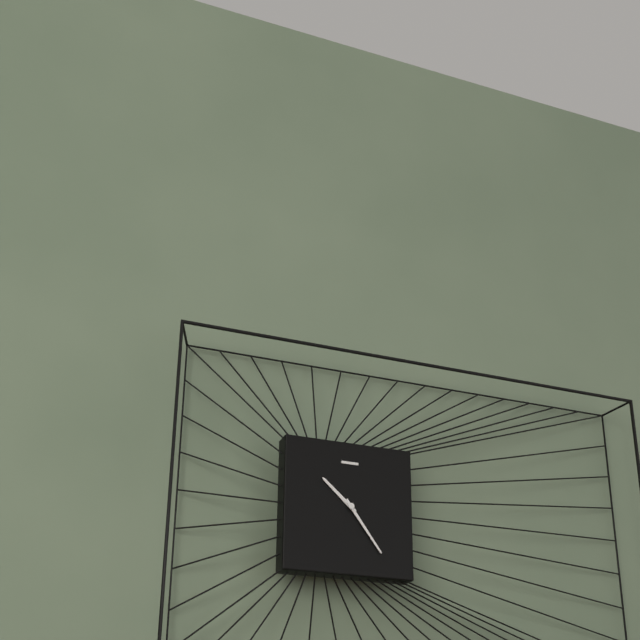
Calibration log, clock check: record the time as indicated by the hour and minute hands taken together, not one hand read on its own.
10:24
